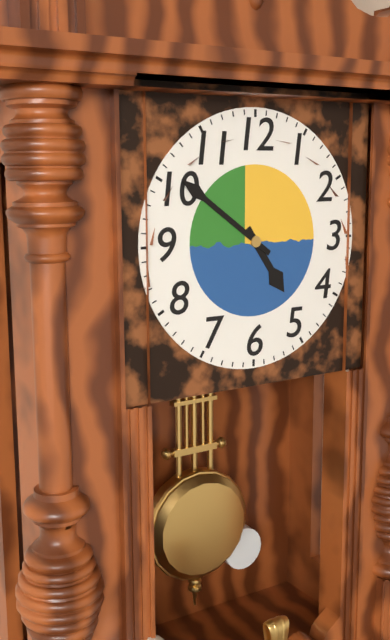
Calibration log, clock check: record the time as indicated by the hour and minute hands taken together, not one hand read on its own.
4:51
